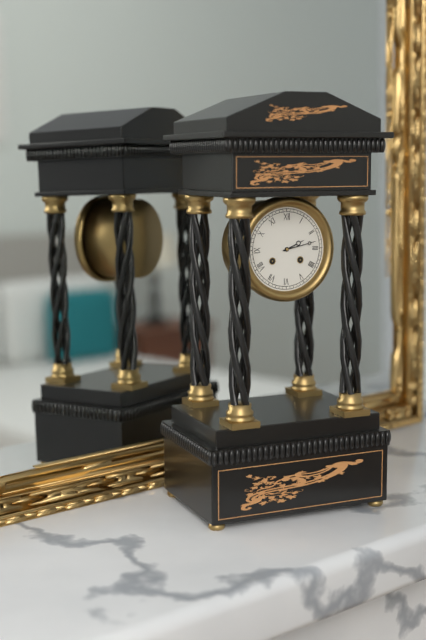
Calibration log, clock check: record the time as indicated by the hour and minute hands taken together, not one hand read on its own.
2:13
